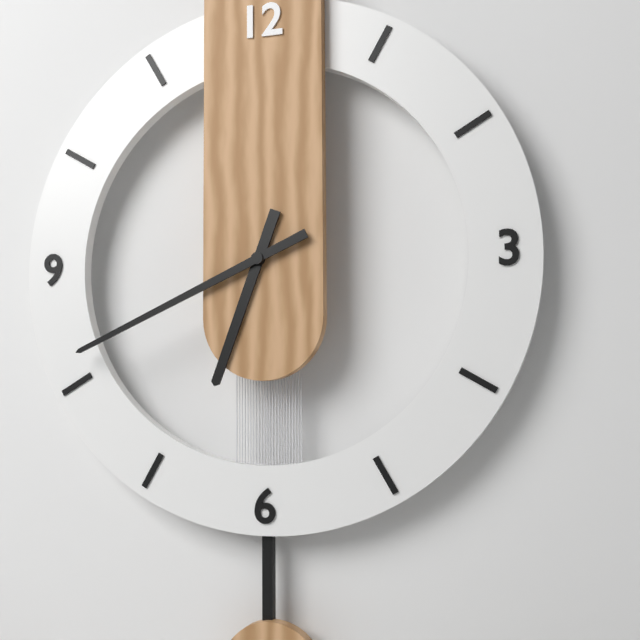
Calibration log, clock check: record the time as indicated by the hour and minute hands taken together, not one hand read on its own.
6:41
